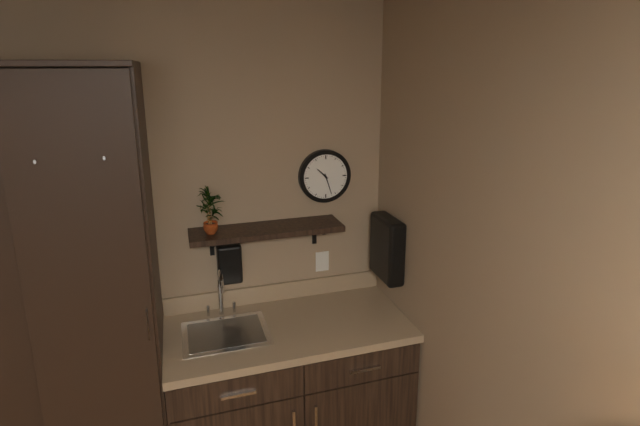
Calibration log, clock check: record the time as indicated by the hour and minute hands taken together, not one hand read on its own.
10:27
